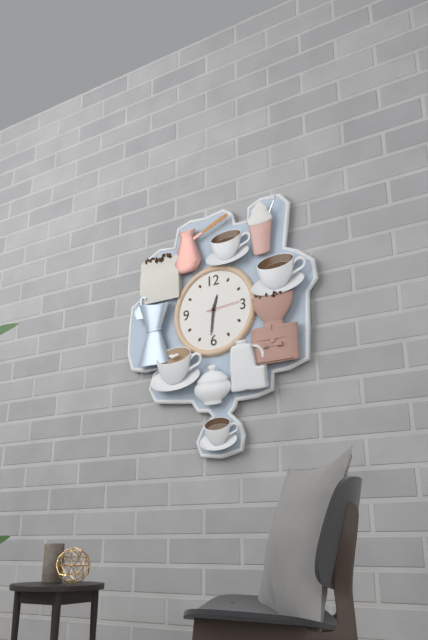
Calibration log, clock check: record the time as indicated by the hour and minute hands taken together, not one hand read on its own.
12:31
